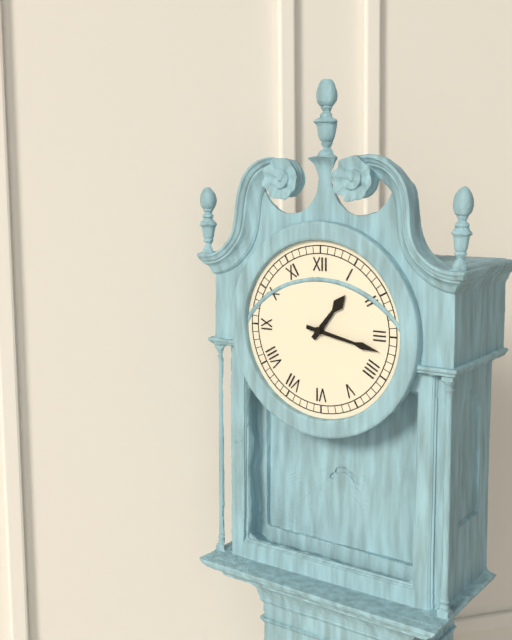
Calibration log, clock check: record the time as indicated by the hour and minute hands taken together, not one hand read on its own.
1:17
